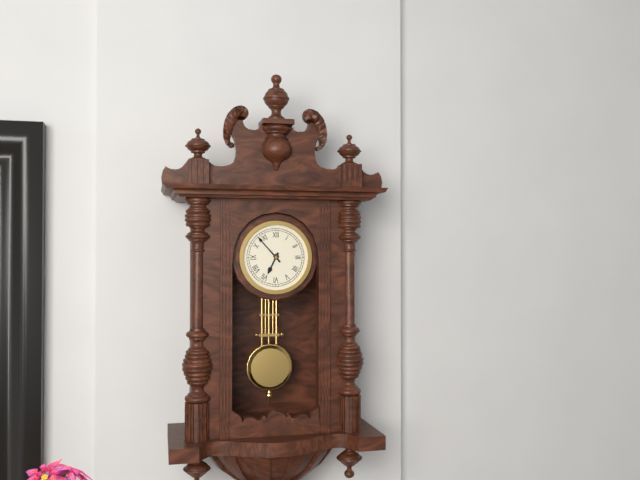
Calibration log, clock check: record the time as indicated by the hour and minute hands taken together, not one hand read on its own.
6:53
